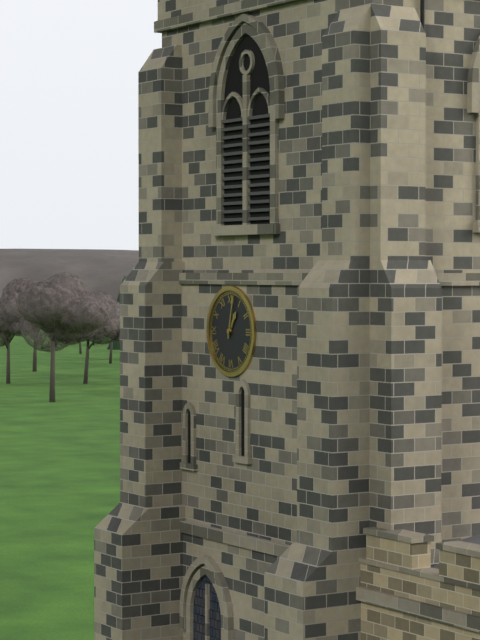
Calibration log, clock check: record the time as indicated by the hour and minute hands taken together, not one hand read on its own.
1:02
